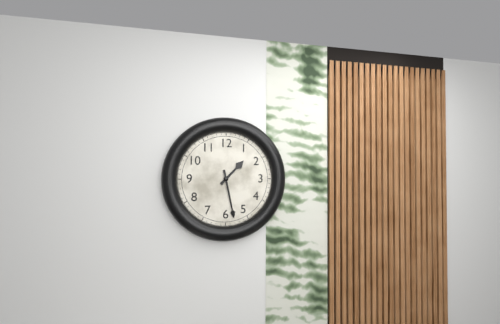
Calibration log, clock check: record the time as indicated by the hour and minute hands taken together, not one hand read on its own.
1:28
